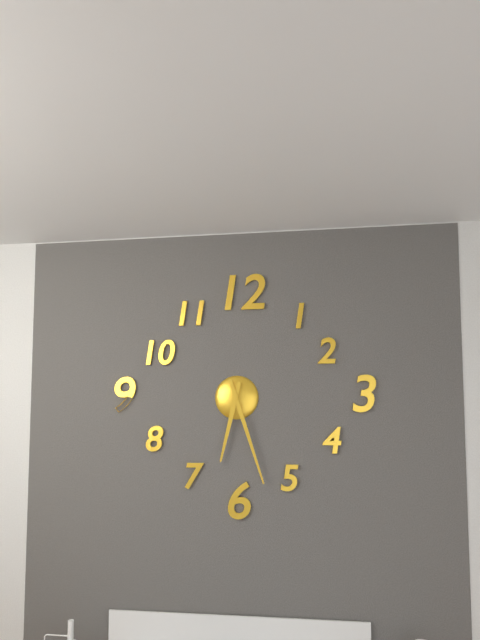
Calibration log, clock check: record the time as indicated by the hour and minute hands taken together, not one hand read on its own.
6:27
